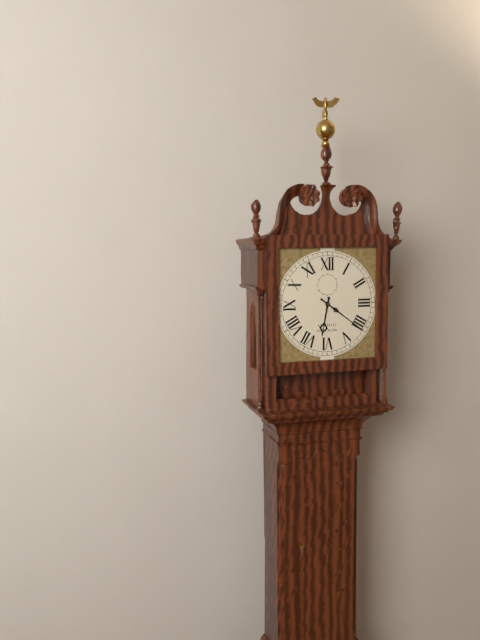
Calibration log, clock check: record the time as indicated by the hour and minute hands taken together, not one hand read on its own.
6:21
